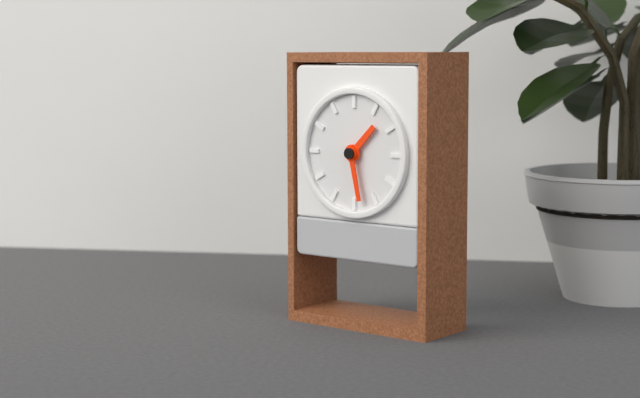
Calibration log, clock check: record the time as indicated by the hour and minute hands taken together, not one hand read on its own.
1:28
